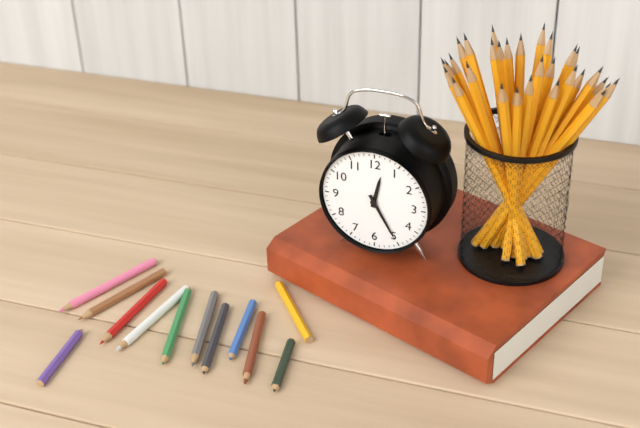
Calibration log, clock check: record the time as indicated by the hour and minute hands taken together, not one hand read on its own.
12:25
